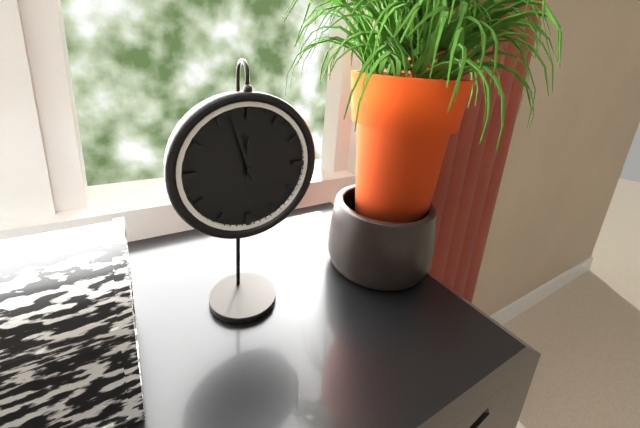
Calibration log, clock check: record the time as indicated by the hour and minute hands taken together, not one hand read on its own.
11:57
